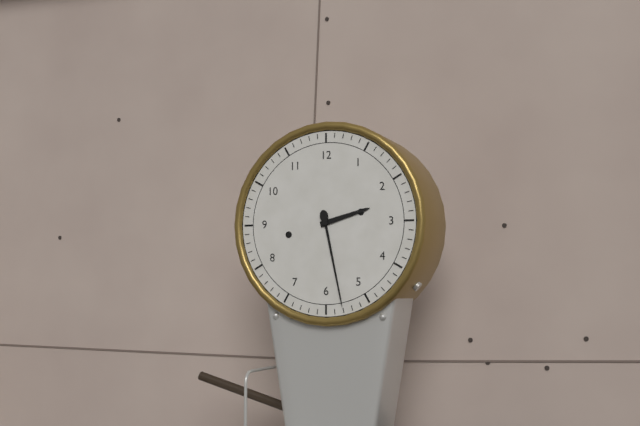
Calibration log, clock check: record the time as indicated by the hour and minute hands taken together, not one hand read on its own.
2:28
